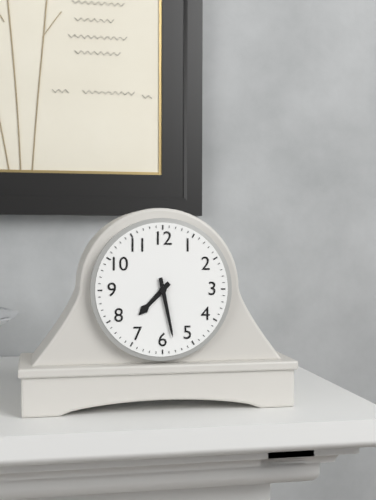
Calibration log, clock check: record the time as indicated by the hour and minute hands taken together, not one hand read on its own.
7:28
